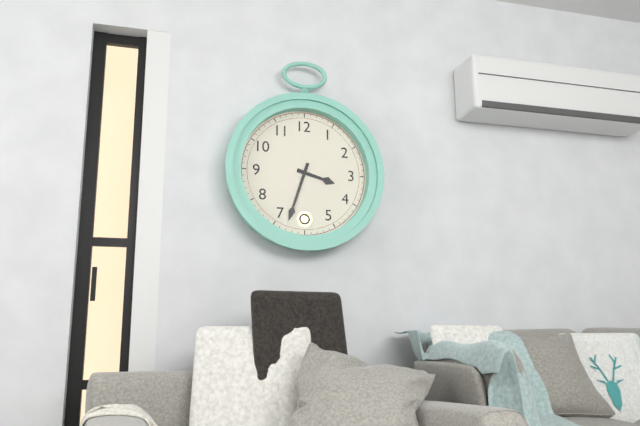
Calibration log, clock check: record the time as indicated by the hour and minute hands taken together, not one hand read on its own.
3:33
